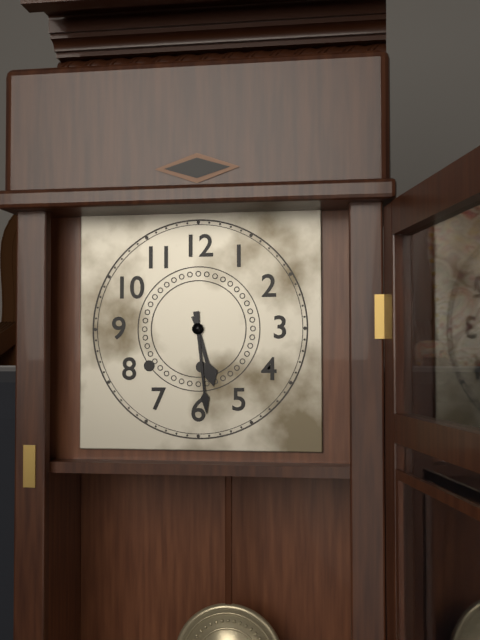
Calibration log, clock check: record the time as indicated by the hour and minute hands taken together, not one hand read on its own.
5:29
